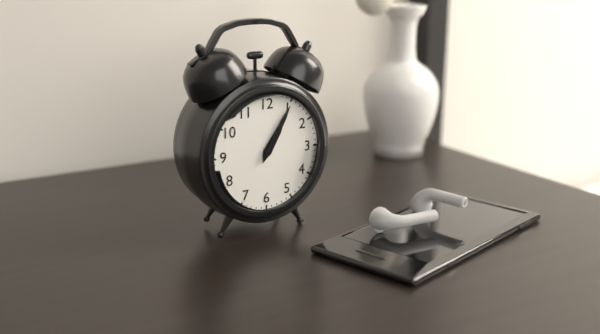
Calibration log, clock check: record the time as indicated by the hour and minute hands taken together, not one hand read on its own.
1:05
